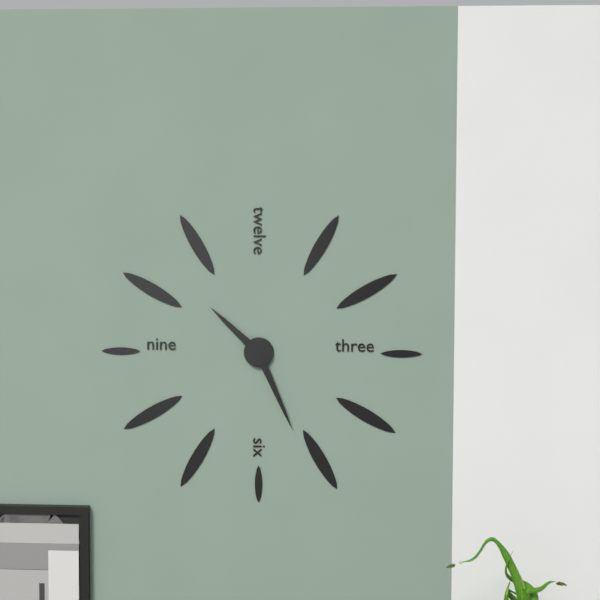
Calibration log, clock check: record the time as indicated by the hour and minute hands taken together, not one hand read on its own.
10:26
